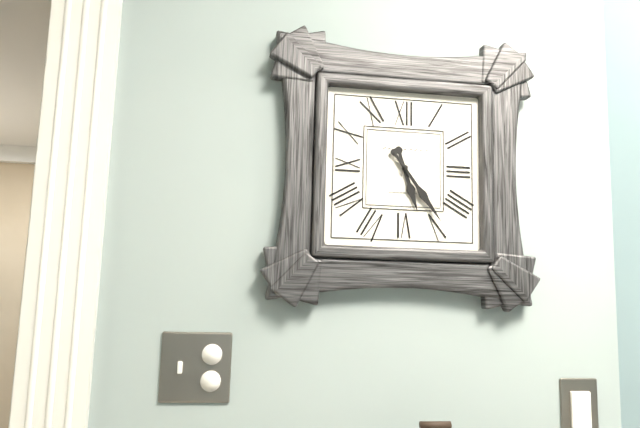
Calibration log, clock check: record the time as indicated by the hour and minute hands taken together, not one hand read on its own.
5:24
